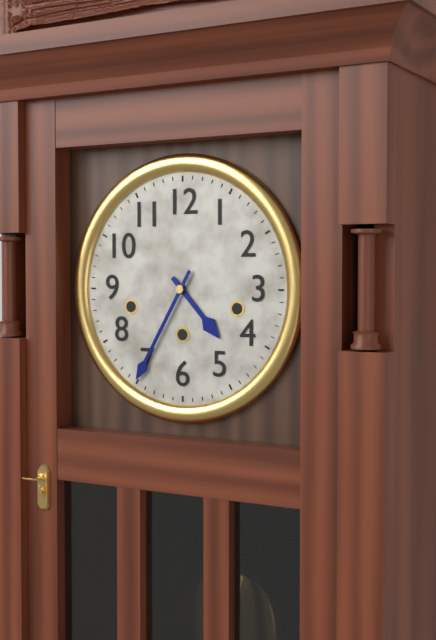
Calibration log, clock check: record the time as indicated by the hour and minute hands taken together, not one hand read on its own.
4:35
